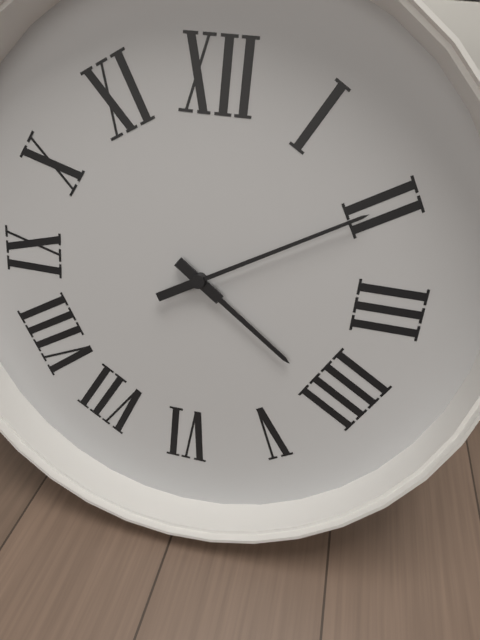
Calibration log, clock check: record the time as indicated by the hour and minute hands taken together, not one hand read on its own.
4:10
